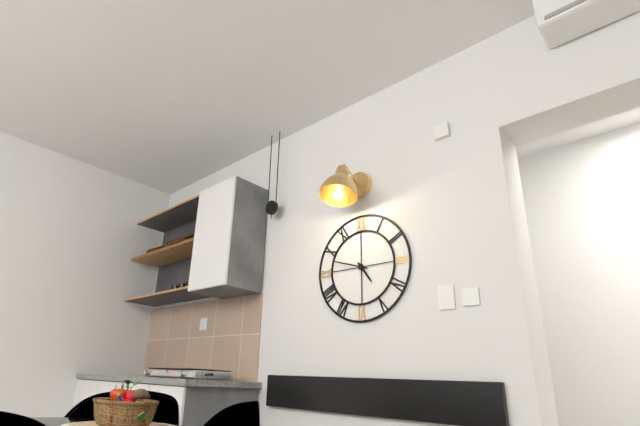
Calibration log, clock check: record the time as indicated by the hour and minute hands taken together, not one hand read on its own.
4:48
